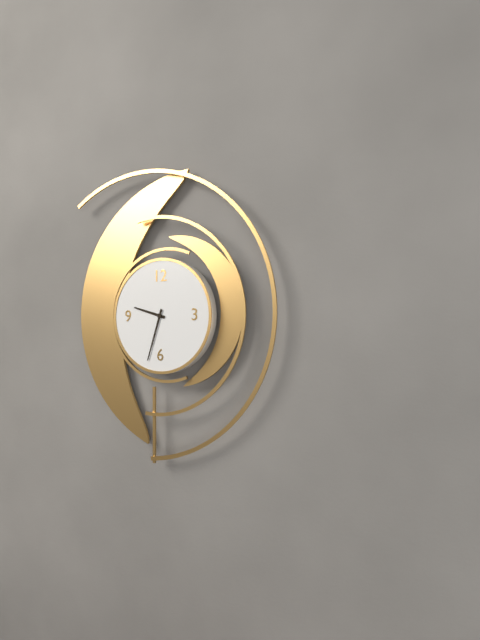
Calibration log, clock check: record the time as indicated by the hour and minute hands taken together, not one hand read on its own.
9:33
